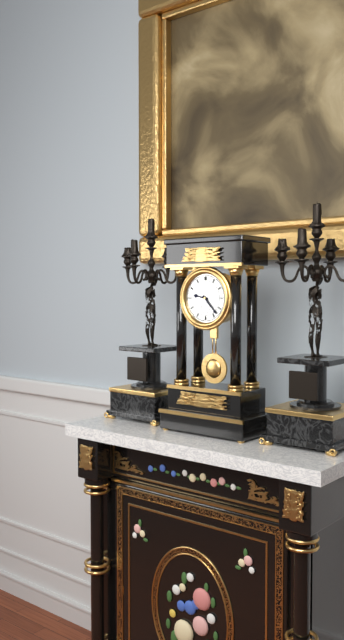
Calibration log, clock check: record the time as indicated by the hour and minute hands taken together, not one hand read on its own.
9:23
